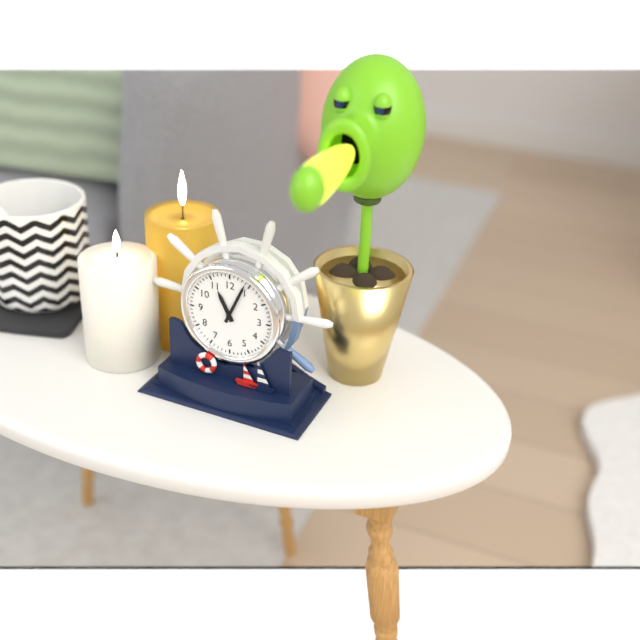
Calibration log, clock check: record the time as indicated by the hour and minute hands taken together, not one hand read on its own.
11:04
